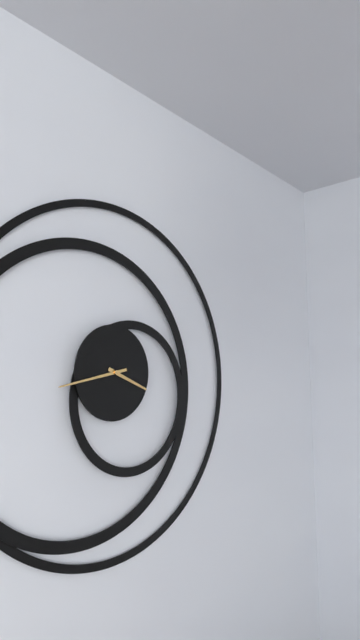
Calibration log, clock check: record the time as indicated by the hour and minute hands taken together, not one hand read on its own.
3:43
